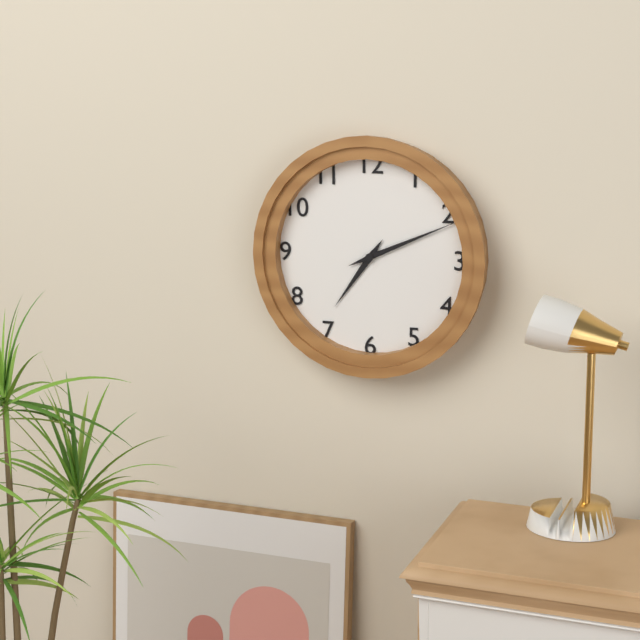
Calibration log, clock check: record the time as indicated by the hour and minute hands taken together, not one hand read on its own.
7:11
